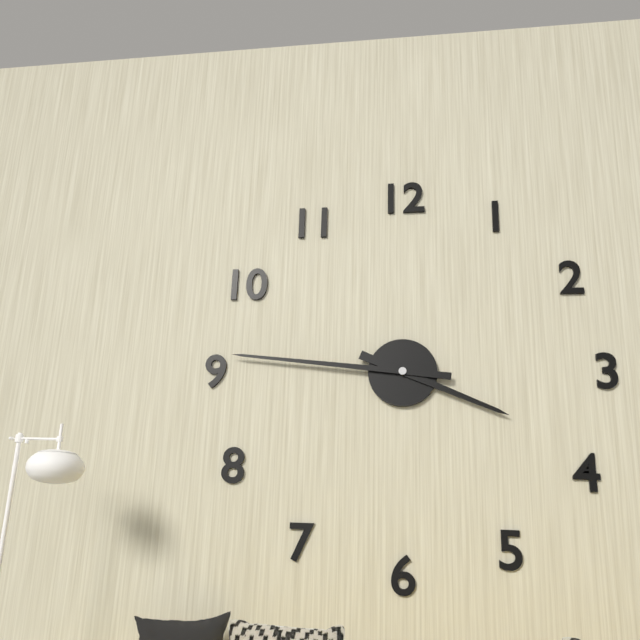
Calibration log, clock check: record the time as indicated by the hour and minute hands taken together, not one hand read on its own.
3:46
